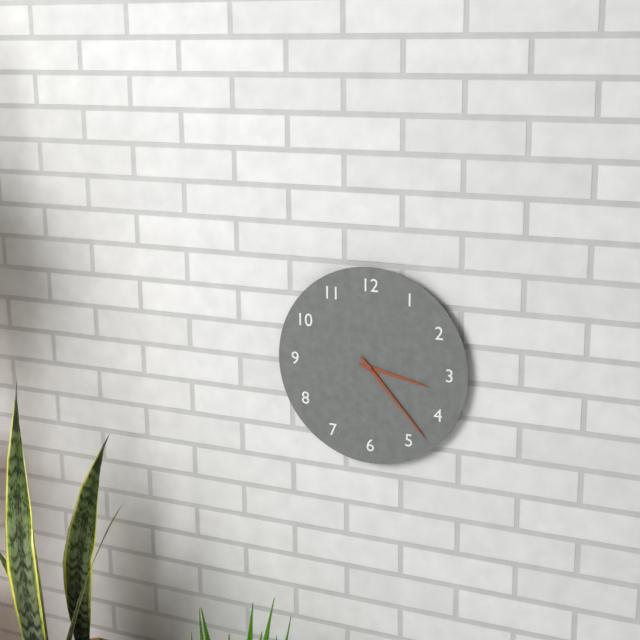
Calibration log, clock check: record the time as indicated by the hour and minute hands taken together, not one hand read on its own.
3:23
